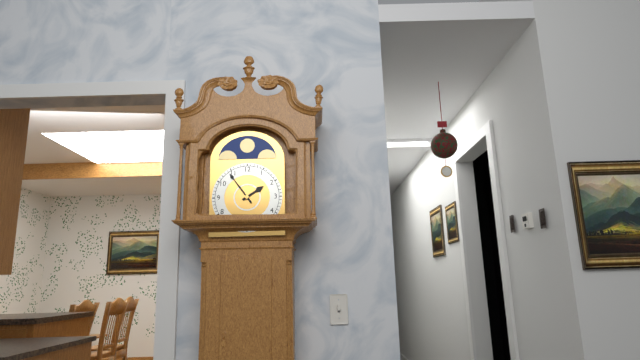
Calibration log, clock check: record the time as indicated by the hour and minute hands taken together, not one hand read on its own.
1:54
